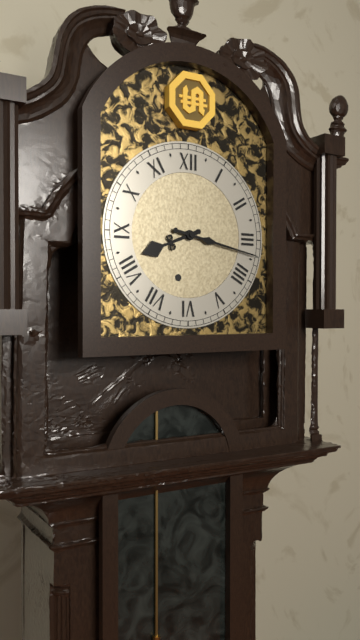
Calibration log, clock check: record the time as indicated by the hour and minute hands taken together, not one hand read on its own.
8:17
